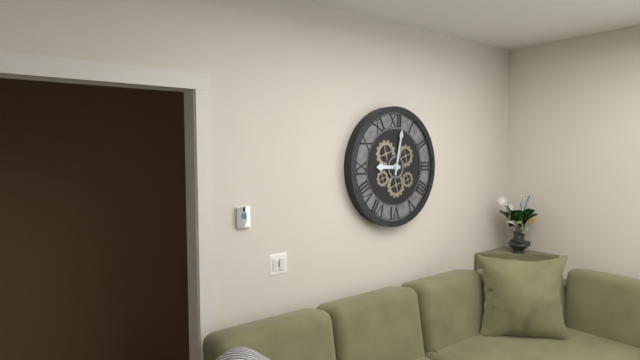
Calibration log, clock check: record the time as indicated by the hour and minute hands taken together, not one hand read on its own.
9:02
